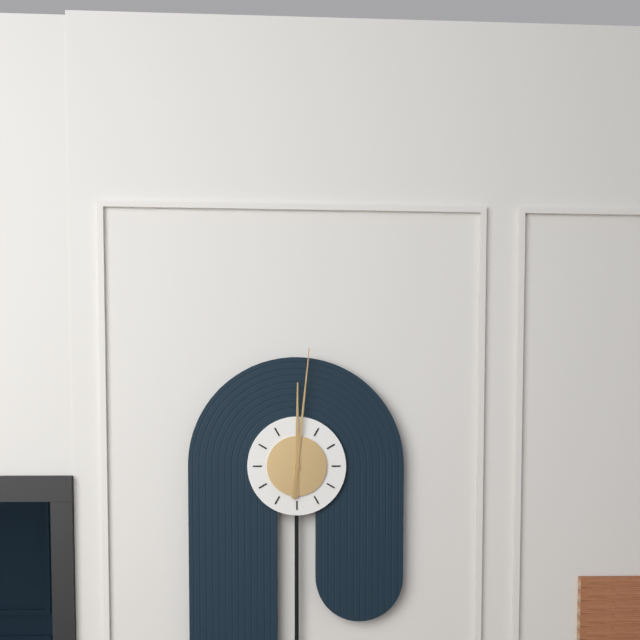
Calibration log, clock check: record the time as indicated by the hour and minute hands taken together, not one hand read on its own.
12:01
